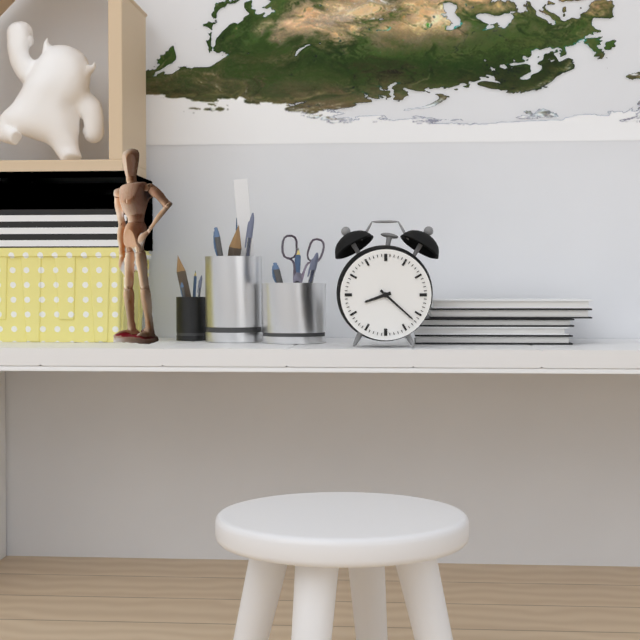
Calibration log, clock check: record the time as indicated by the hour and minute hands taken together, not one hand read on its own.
8:22
